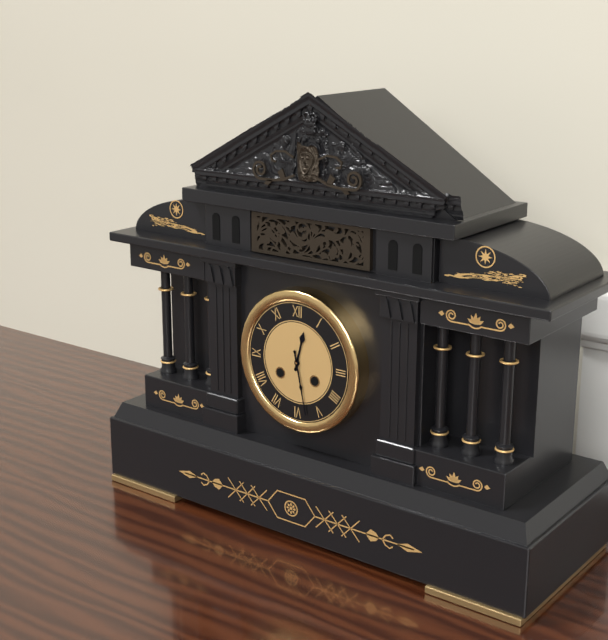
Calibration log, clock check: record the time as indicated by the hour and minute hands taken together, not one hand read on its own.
12:28
